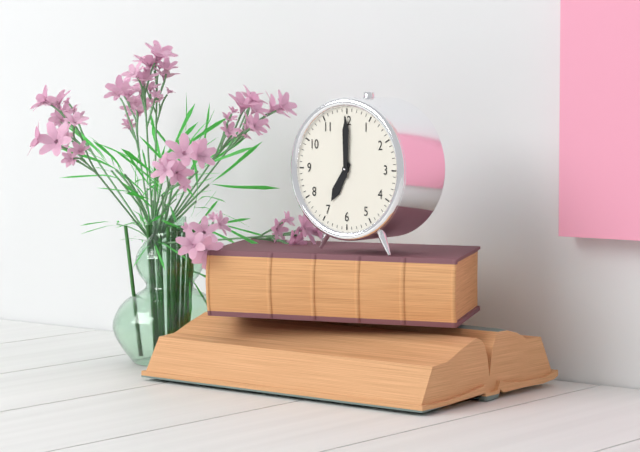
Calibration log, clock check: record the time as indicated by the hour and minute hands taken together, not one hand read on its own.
7:00
